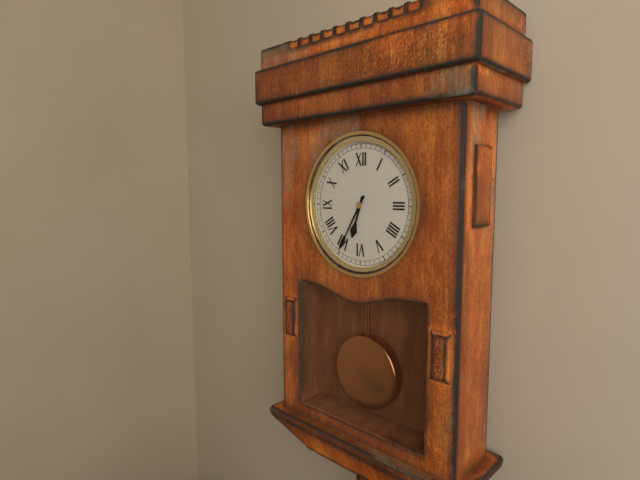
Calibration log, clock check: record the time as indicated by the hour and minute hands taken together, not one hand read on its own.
6:35
